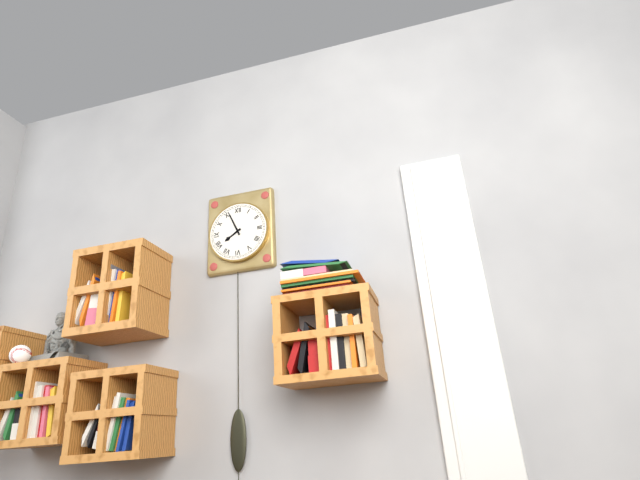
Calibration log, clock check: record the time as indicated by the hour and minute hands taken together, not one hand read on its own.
7:56
